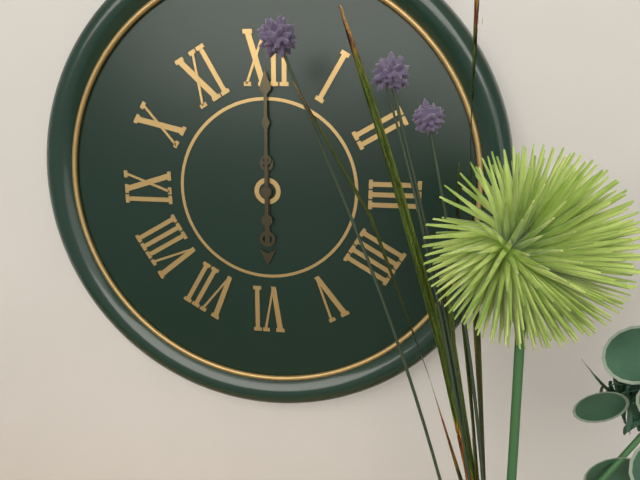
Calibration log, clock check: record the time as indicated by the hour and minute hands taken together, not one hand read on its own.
6:00
